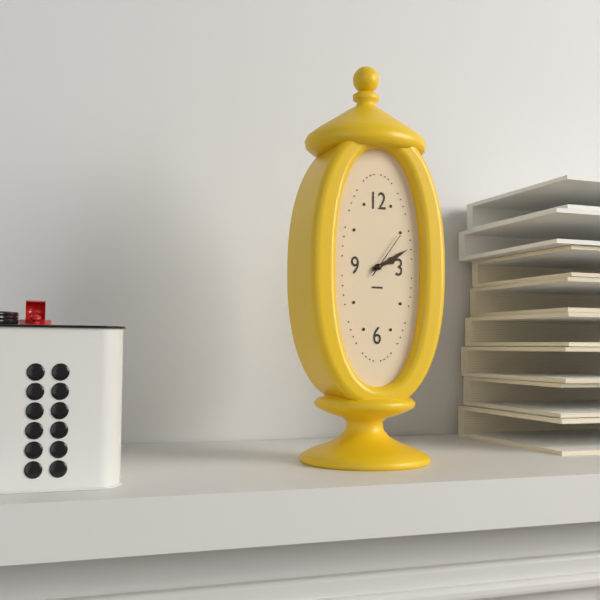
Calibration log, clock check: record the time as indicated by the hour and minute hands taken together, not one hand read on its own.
2:10
